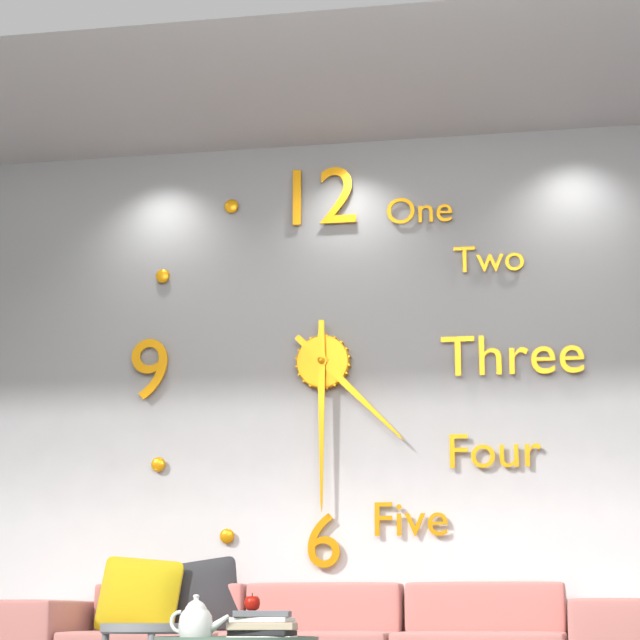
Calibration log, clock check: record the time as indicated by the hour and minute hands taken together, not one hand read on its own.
4:30
